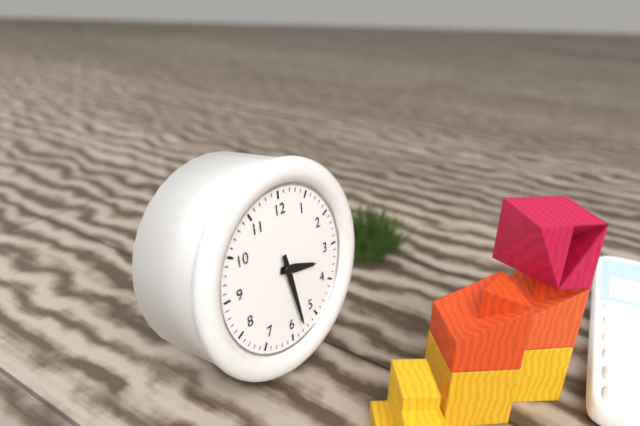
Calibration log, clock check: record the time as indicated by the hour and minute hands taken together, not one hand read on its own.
3:28
